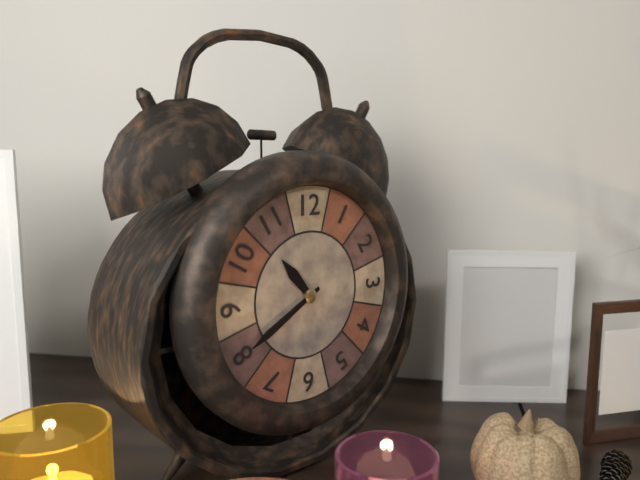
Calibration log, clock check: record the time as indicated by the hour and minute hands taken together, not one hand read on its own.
10:40
